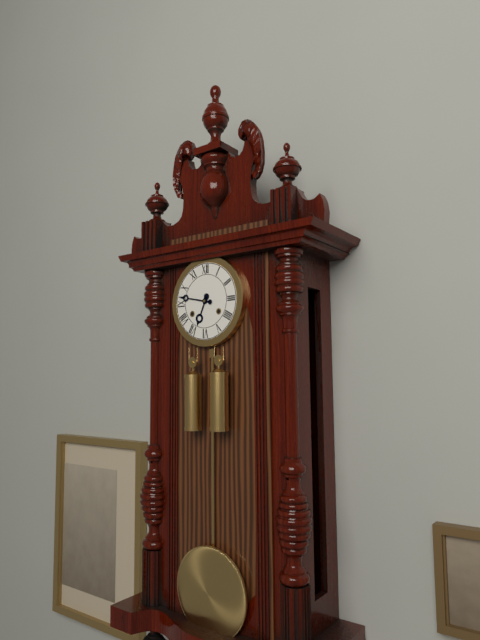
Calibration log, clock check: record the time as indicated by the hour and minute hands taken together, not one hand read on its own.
6:47
